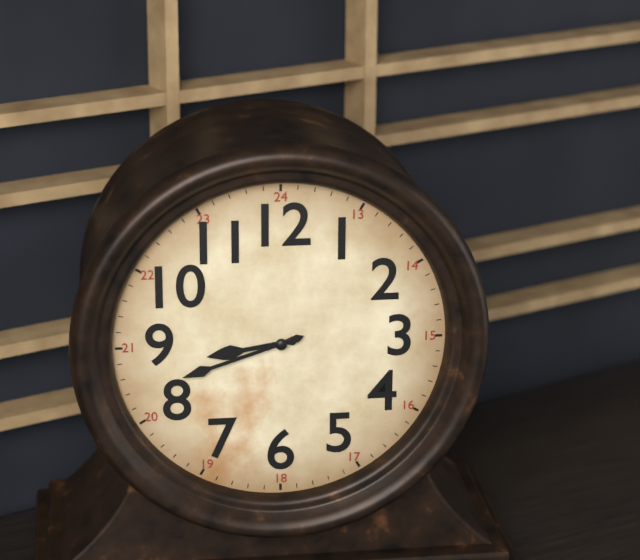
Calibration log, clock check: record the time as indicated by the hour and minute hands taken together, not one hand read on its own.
8:42
